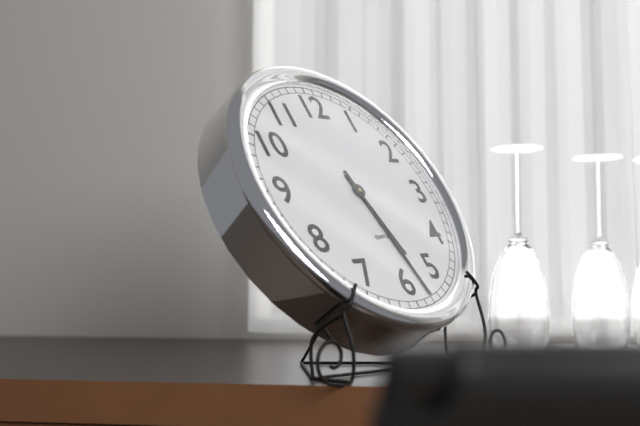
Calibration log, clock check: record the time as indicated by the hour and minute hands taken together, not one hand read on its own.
5:28
